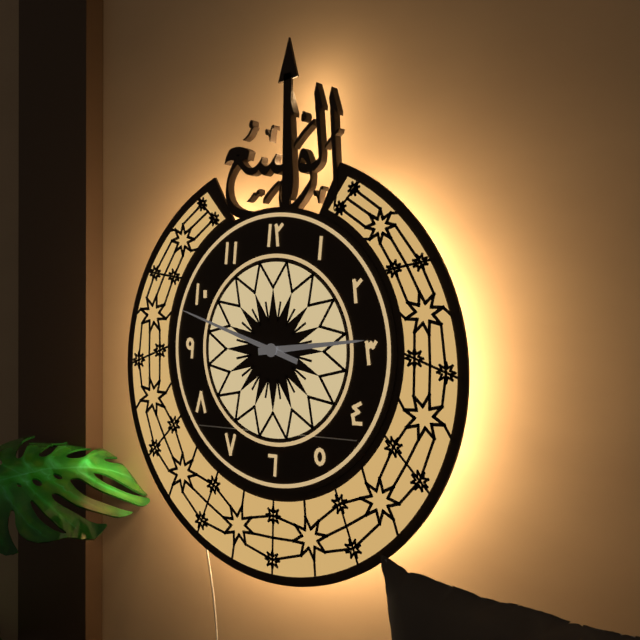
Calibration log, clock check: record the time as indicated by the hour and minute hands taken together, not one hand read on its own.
2:48
